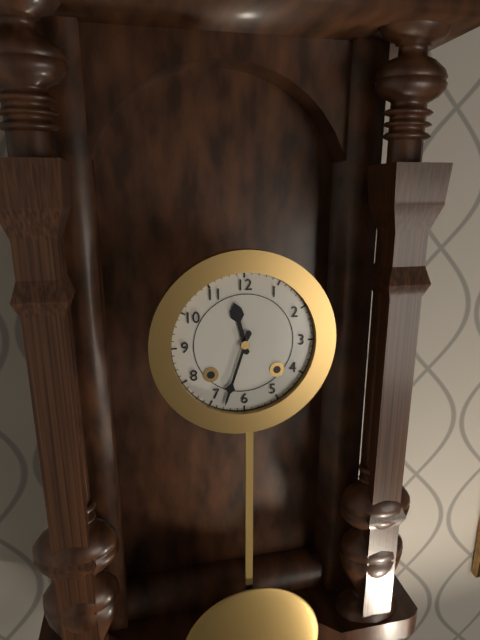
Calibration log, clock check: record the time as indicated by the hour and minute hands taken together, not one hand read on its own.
11:33
